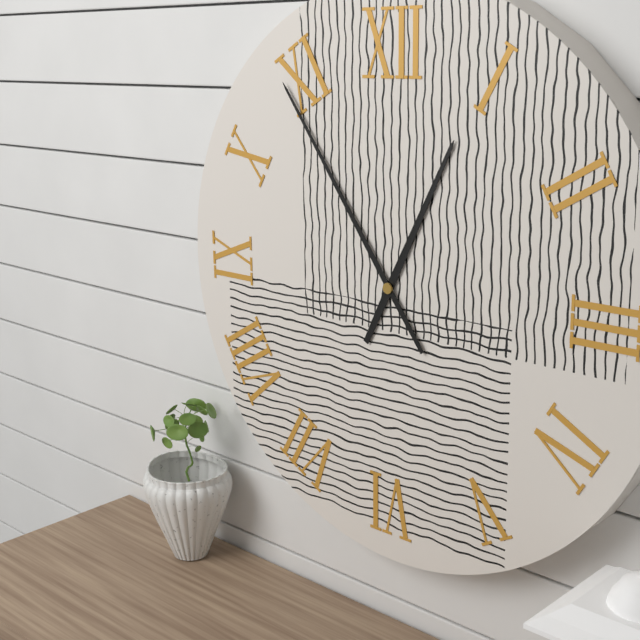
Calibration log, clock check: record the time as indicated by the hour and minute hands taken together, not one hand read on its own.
12:54
